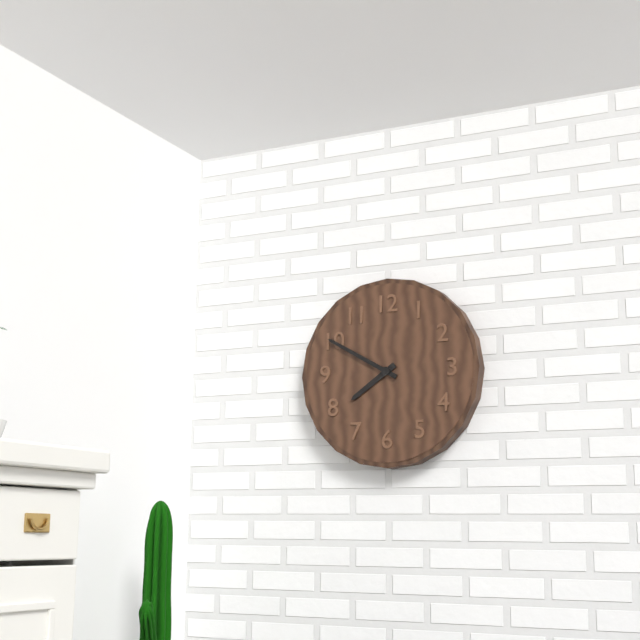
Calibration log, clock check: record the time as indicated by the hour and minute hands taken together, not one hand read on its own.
7:50
